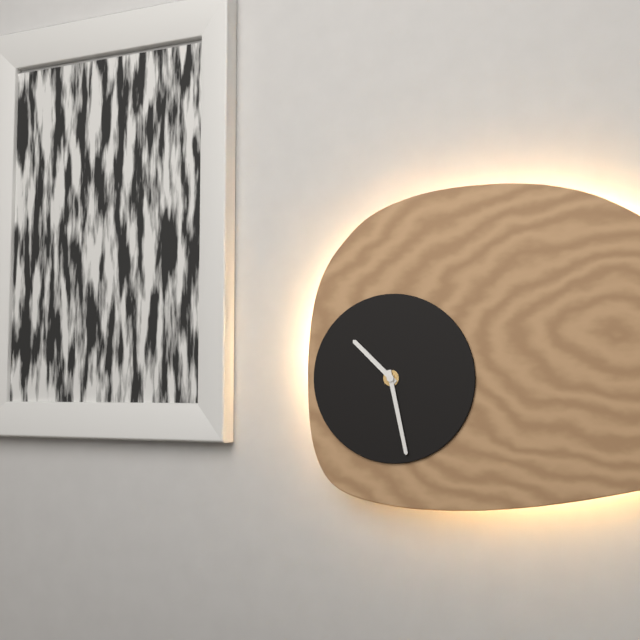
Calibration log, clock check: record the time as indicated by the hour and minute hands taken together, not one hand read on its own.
10:28
